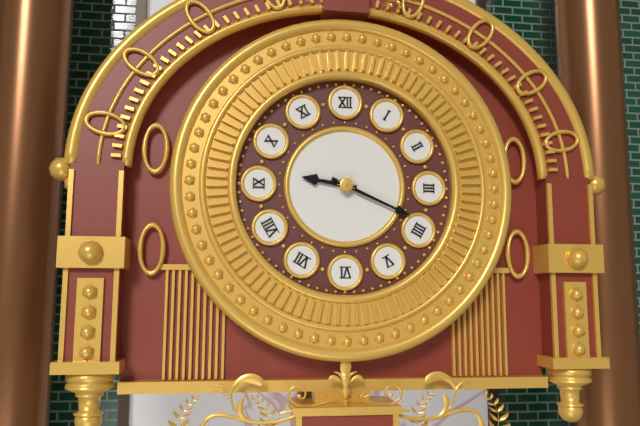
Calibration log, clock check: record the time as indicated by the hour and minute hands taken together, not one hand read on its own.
9:19
